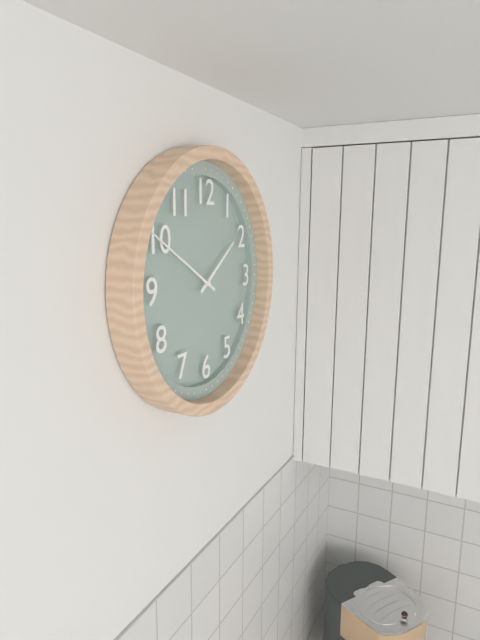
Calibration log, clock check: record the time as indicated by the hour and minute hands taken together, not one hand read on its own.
1:50
